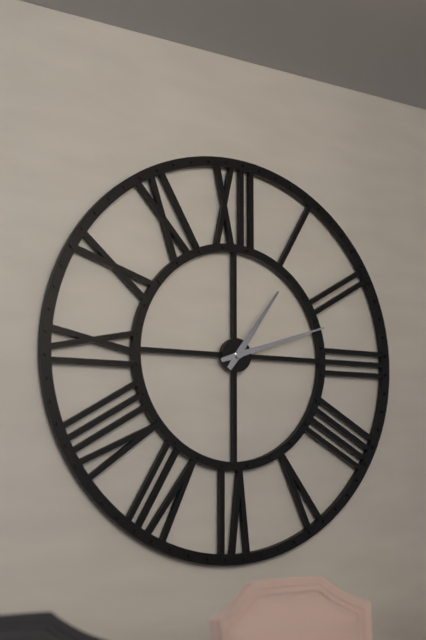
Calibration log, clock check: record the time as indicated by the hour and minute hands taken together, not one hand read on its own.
1:12
